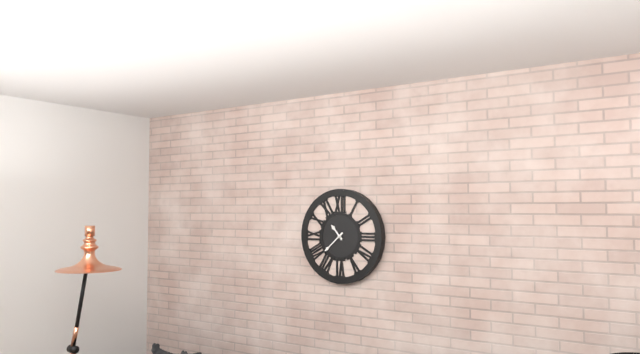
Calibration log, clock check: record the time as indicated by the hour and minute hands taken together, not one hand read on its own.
10:38
